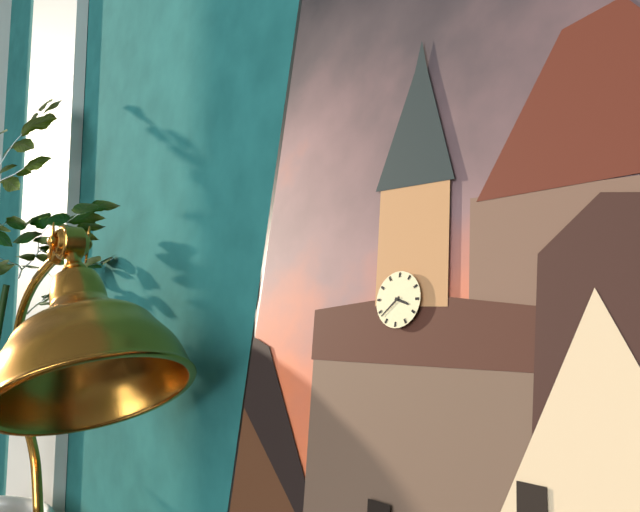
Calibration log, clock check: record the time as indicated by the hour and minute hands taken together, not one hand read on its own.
3:38
